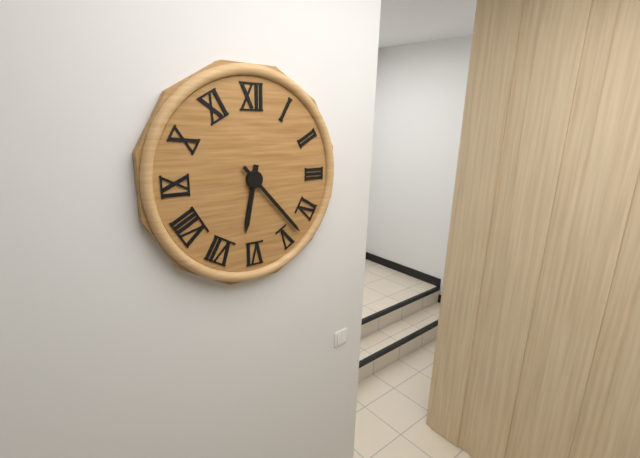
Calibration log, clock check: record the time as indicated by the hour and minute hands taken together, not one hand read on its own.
6:23
